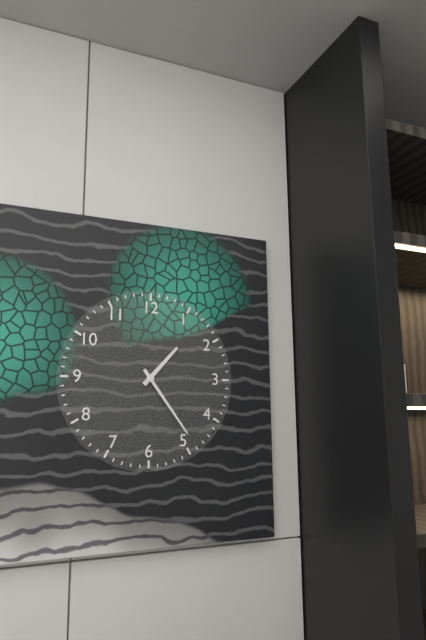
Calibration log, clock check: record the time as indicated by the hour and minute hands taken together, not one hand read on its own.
1:24
